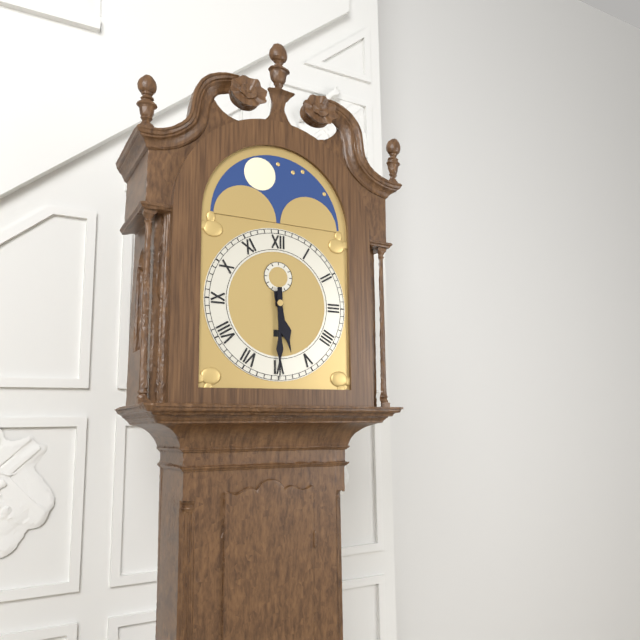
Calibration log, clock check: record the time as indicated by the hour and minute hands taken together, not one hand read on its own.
5:30
